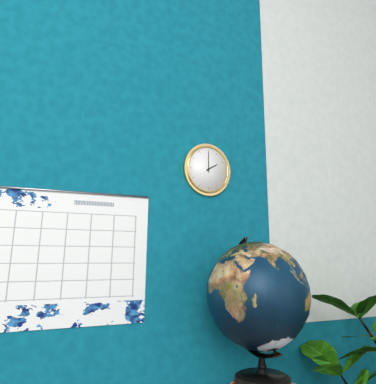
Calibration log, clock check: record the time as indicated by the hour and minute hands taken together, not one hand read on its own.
2:00
